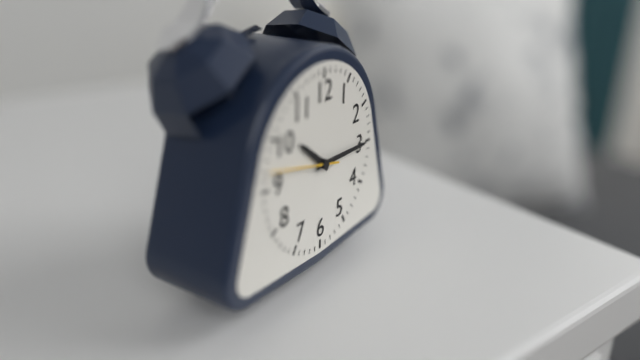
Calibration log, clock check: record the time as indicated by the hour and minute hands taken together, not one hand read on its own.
10:15
